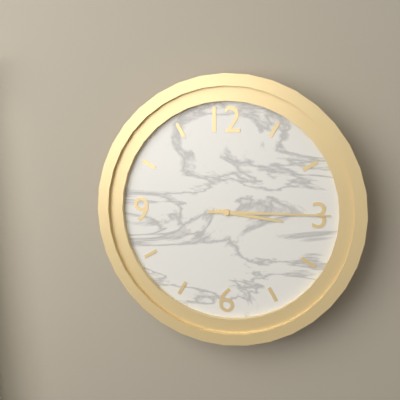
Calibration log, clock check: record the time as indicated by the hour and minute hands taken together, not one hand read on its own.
3:15
